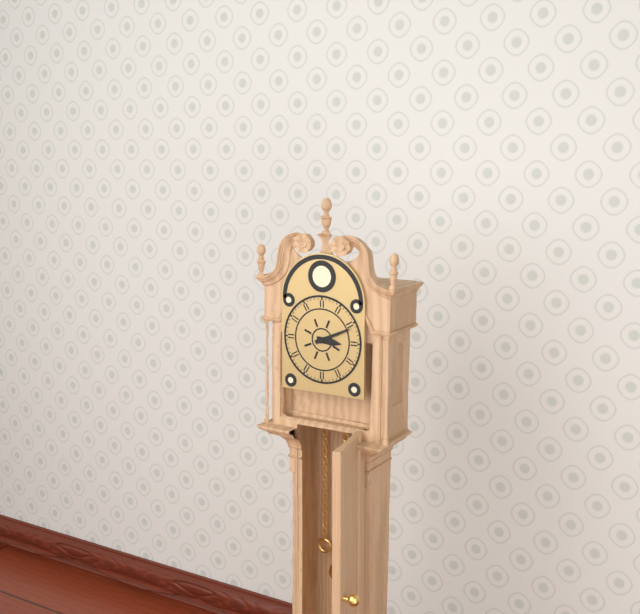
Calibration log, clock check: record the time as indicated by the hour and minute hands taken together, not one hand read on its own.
3:11
